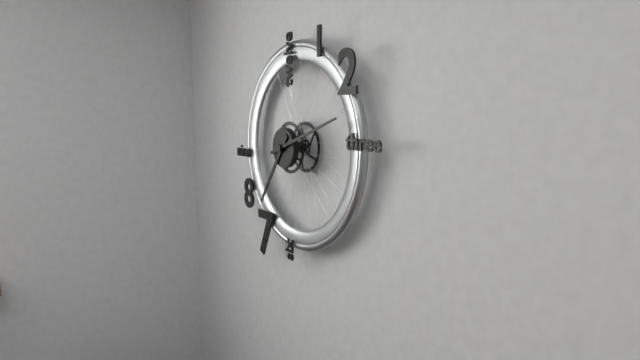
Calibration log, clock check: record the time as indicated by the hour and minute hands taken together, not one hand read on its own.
7:12
